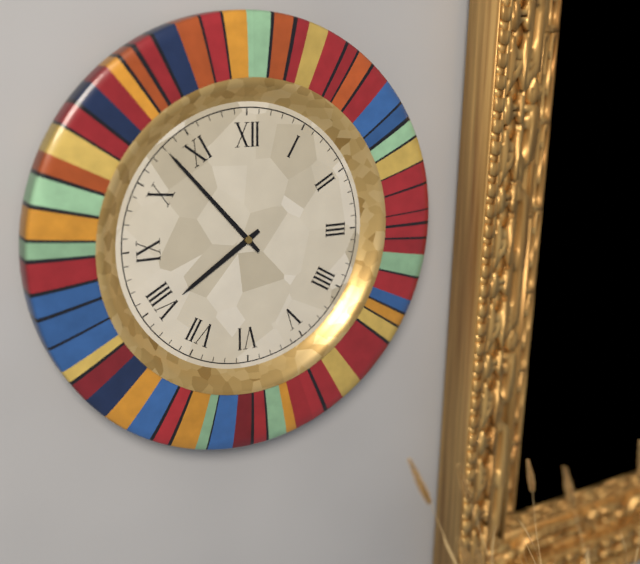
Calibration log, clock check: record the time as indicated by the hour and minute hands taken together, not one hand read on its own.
7:53
